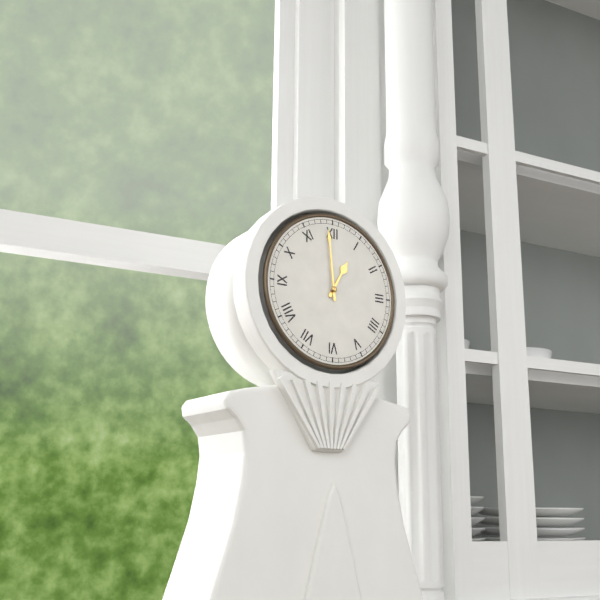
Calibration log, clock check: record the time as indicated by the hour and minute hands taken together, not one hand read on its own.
12:59
